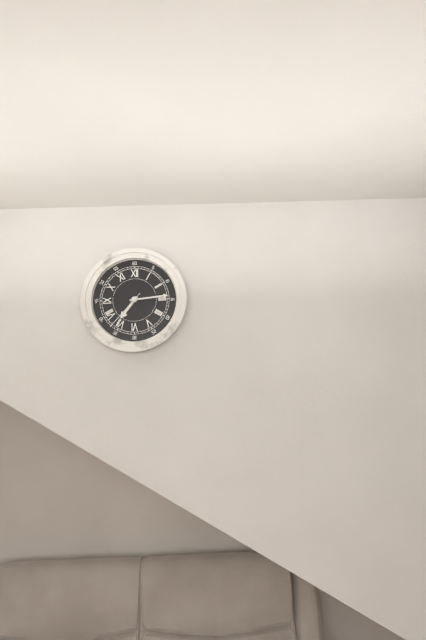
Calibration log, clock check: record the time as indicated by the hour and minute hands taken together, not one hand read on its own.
7:14
